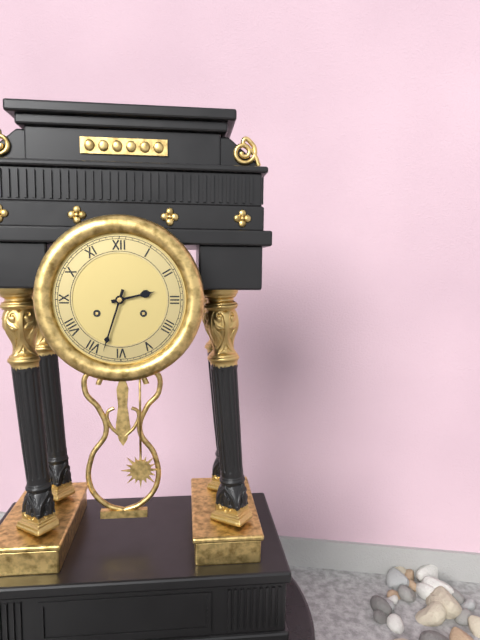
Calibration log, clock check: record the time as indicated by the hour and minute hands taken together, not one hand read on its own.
2:33
